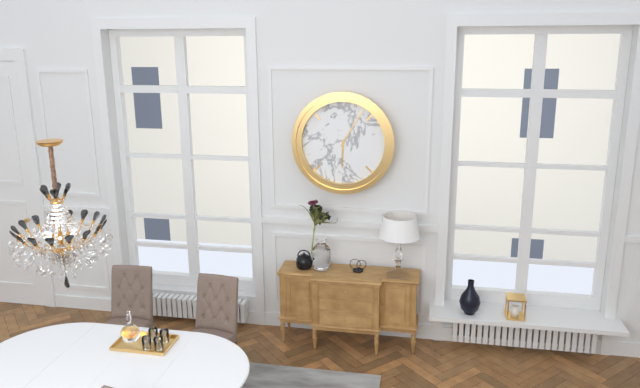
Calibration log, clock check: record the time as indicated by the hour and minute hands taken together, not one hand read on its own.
6:05
